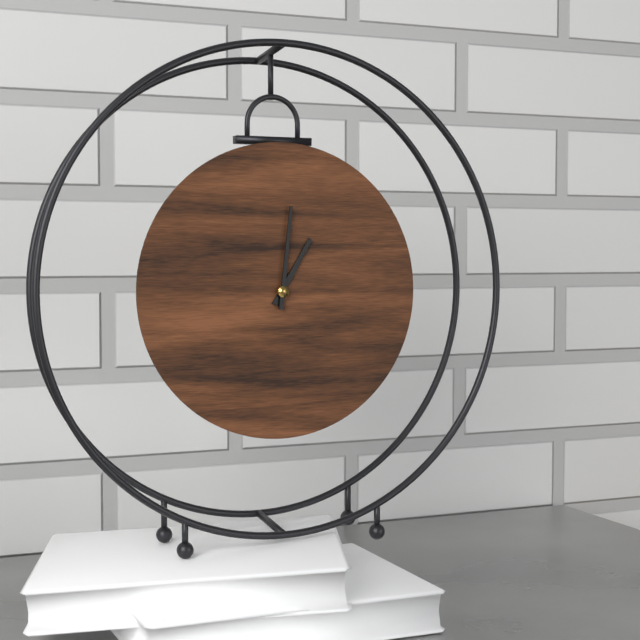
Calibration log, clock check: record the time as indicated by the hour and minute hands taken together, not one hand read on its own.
1:01
